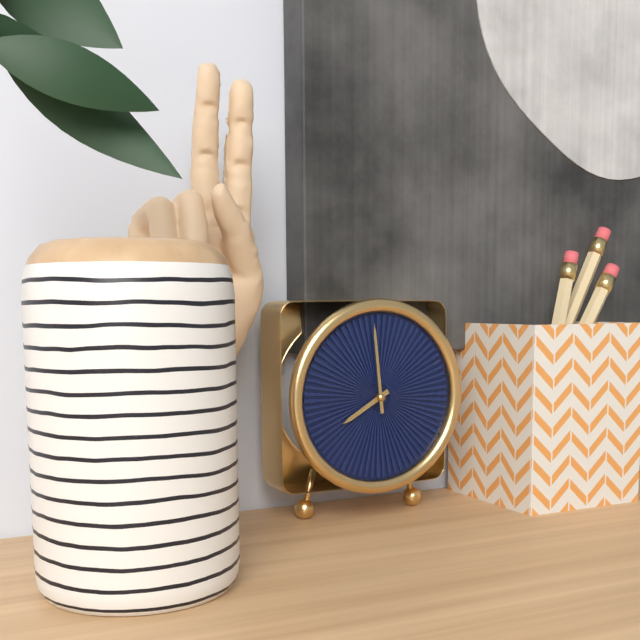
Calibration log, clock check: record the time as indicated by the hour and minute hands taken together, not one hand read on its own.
7:59
